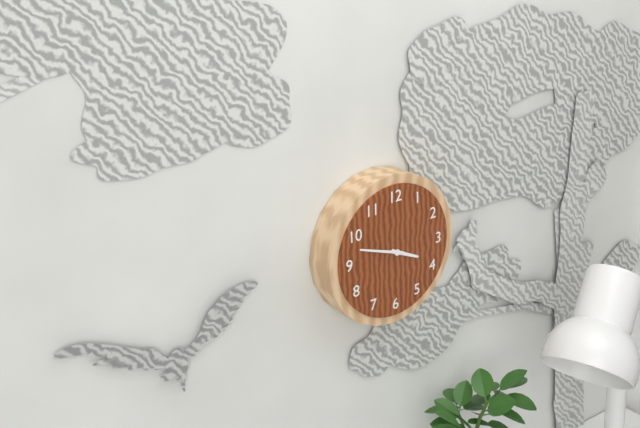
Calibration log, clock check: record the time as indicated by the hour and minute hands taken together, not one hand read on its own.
3:48
